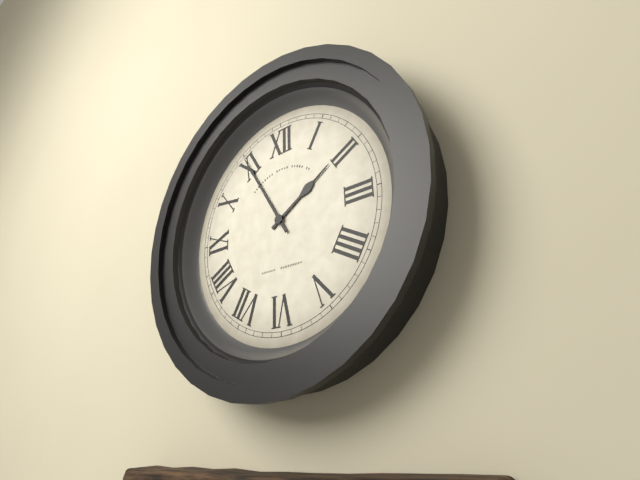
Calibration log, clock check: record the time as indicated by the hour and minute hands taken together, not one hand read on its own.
1:55
